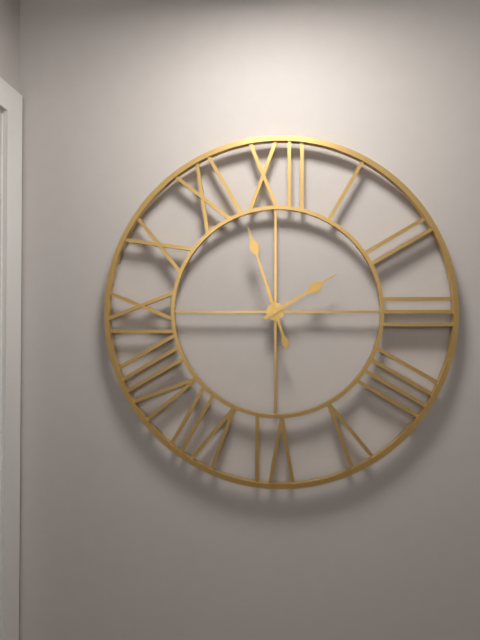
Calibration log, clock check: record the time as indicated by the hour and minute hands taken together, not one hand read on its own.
1:57
